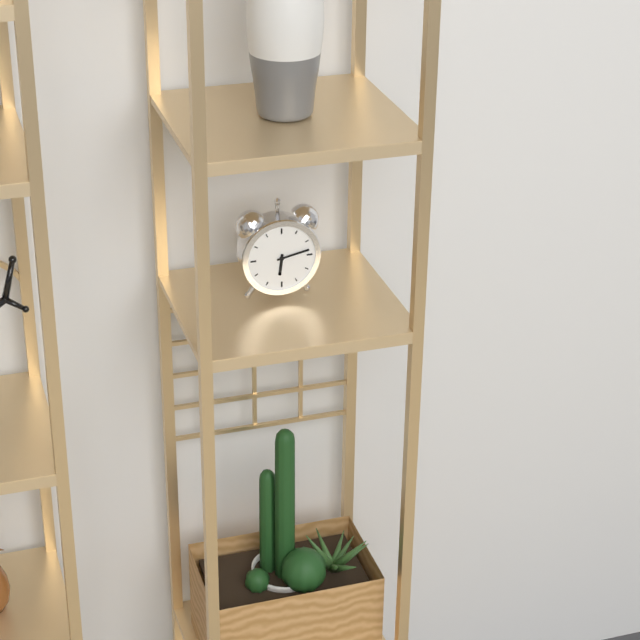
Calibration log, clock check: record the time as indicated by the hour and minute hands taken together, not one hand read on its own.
6:13
